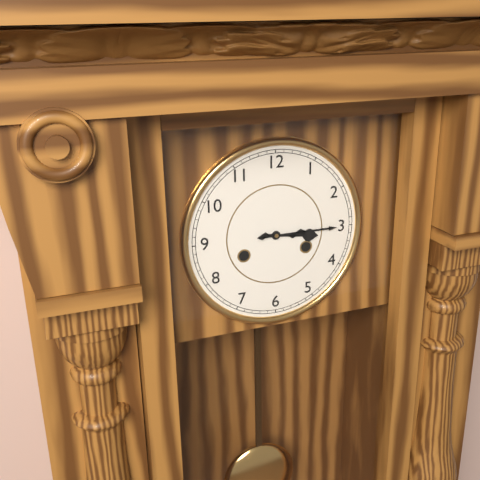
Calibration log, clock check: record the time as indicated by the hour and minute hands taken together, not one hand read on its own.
3:15
